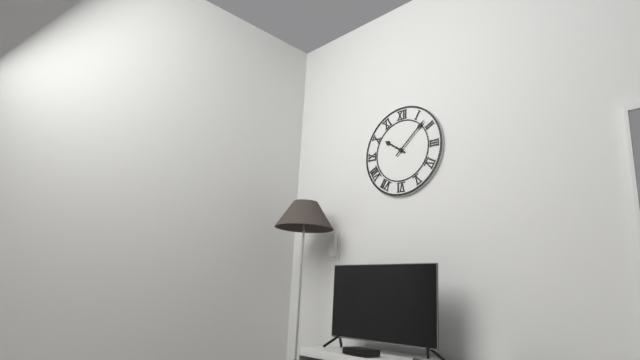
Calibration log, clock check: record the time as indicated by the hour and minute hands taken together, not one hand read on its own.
10:08
